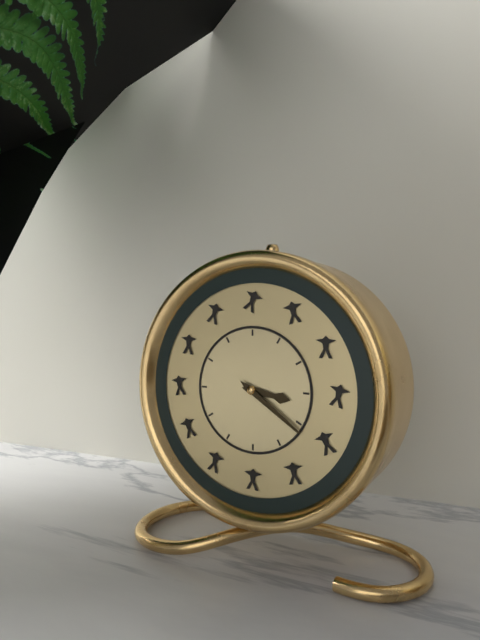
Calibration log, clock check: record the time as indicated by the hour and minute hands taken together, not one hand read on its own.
3:21
